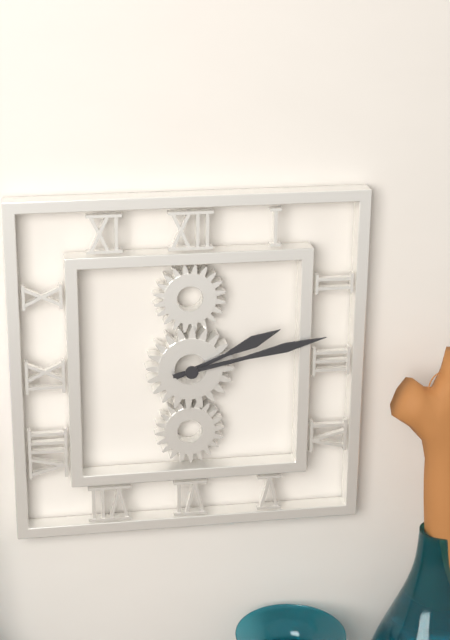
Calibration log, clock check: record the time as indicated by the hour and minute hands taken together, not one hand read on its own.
2:13
